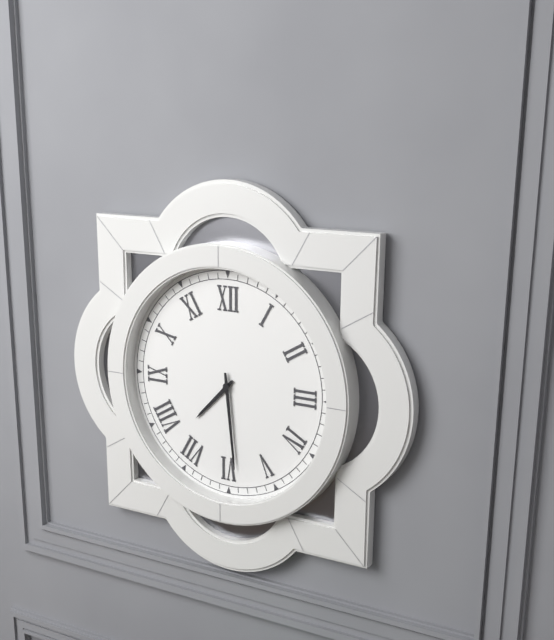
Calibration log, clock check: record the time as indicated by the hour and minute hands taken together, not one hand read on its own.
7:29
